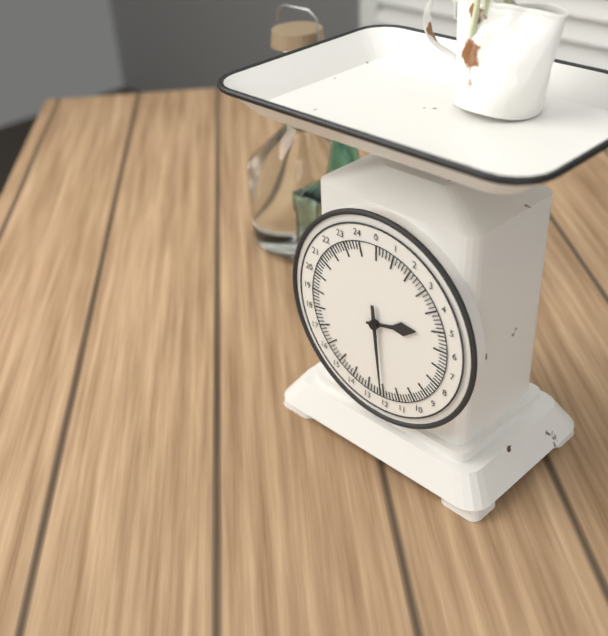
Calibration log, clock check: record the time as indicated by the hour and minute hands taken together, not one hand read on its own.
2:29
